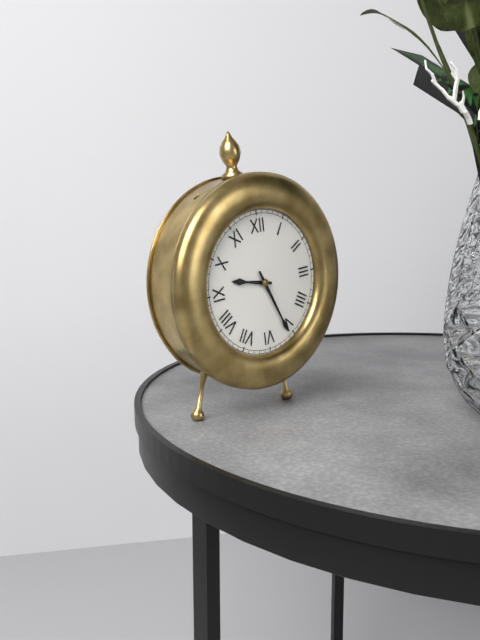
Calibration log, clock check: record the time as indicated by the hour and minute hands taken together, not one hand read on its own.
9:26
